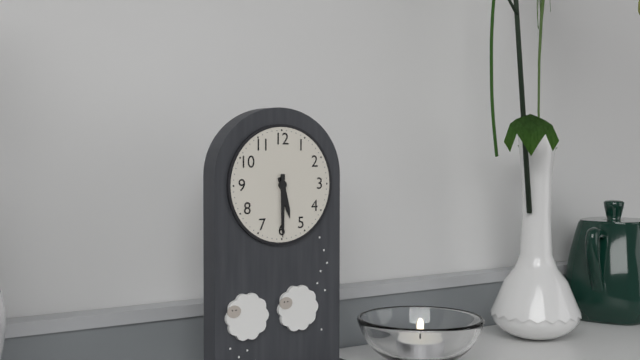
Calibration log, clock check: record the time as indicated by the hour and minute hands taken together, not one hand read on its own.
5:30
